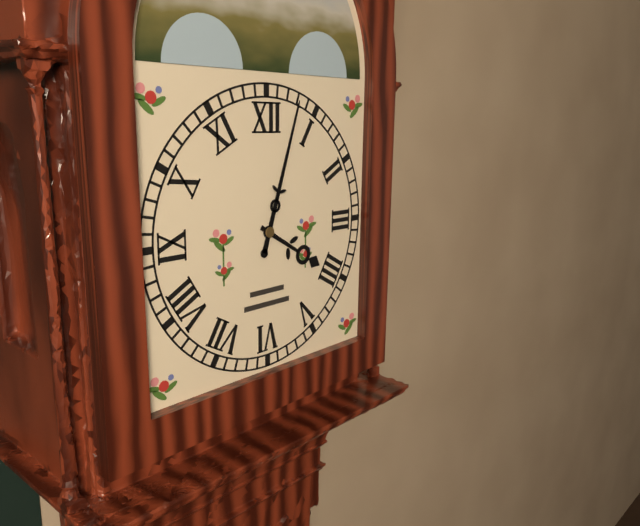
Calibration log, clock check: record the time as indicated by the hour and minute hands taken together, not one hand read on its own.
4:03
